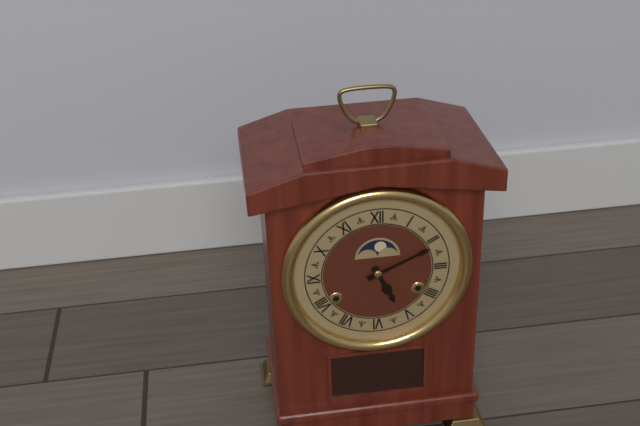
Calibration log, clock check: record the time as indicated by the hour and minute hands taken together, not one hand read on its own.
5:11
